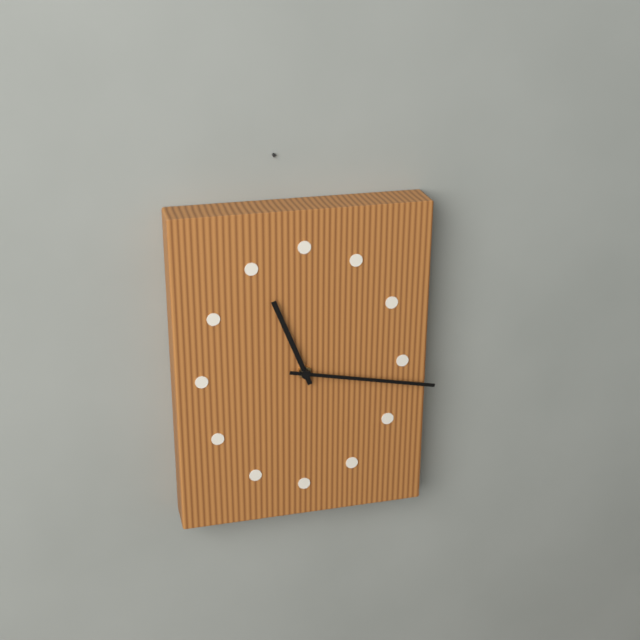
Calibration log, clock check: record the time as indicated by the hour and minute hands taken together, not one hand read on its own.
11:17
